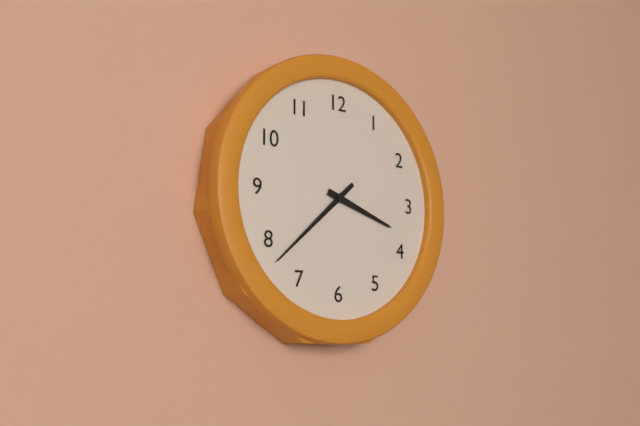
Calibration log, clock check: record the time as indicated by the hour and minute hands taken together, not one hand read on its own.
3:38
